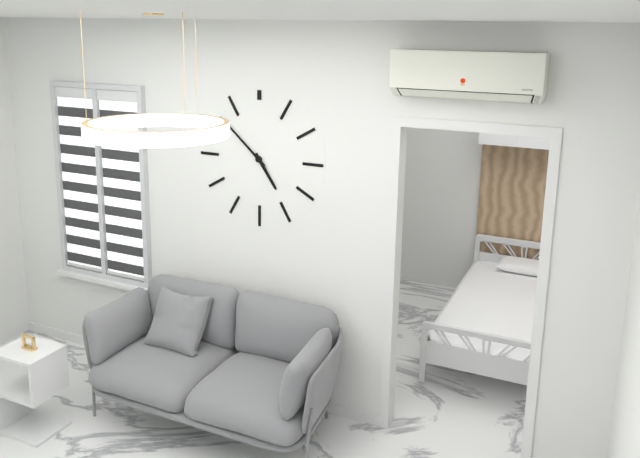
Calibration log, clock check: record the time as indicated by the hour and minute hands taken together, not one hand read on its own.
4:52
